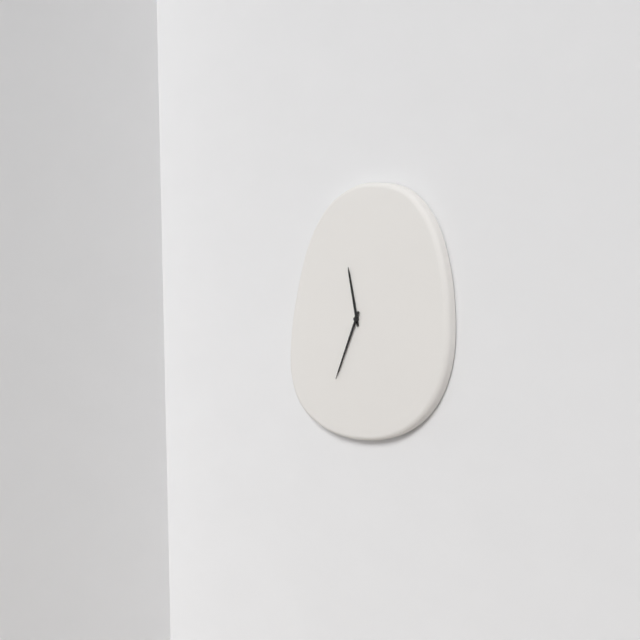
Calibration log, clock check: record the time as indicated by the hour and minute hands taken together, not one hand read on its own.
11:34
